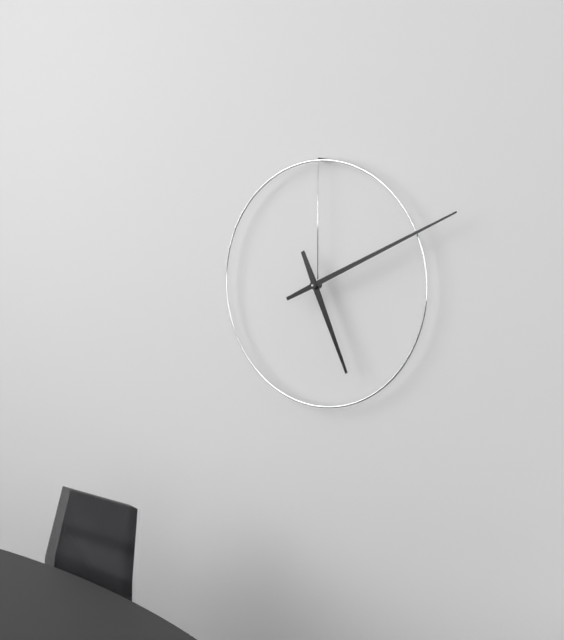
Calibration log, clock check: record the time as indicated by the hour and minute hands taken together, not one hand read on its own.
5:11
